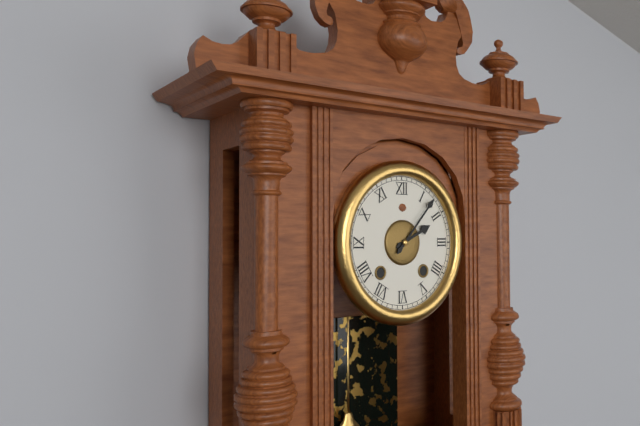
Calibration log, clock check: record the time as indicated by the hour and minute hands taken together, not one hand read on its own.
2:07
